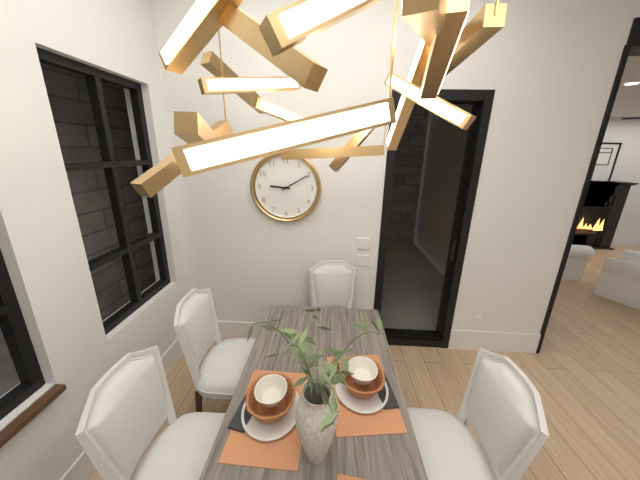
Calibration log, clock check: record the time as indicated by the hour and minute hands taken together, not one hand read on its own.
9:10
